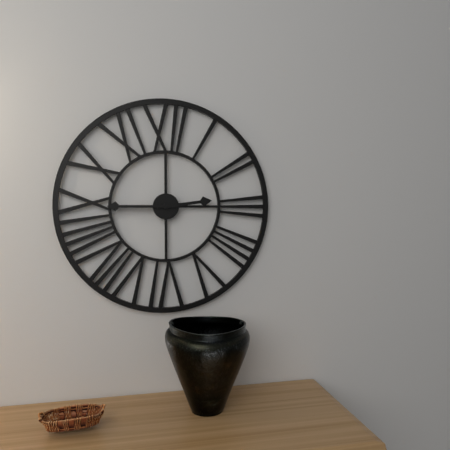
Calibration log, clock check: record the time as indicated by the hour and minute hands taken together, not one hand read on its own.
2:45
